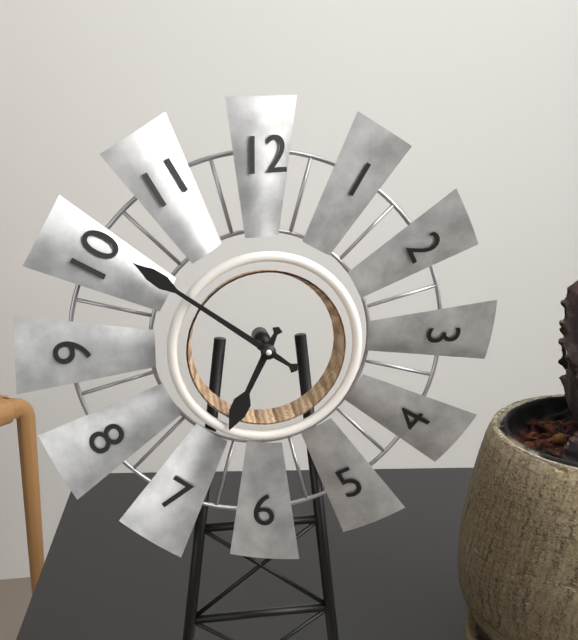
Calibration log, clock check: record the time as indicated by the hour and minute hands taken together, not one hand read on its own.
6:51
